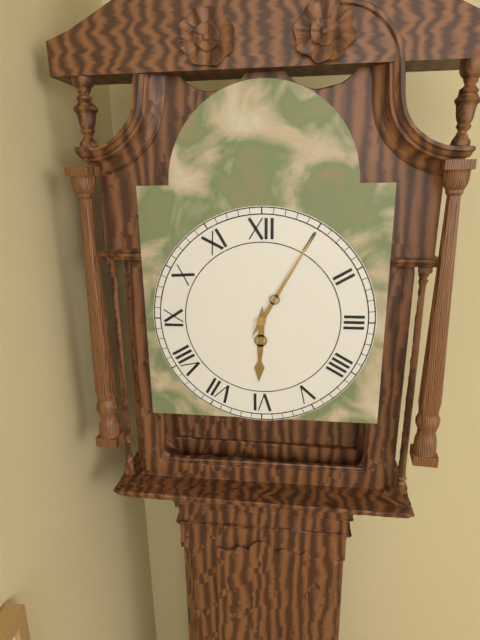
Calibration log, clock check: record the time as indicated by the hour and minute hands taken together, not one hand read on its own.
6:05
